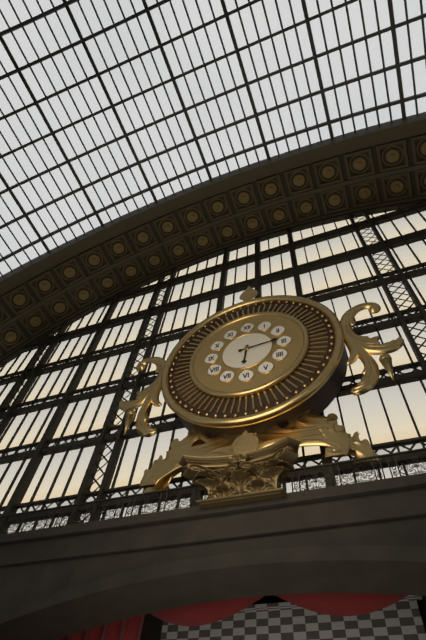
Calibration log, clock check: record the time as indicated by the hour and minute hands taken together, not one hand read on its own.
6:14
